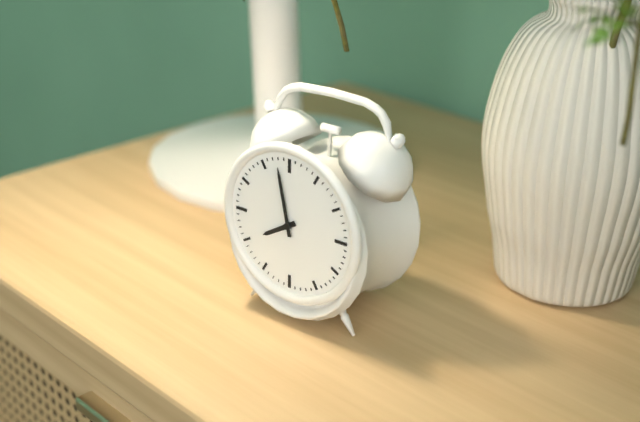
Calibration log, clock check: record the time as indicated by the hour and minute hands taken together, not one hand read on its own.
7:58
